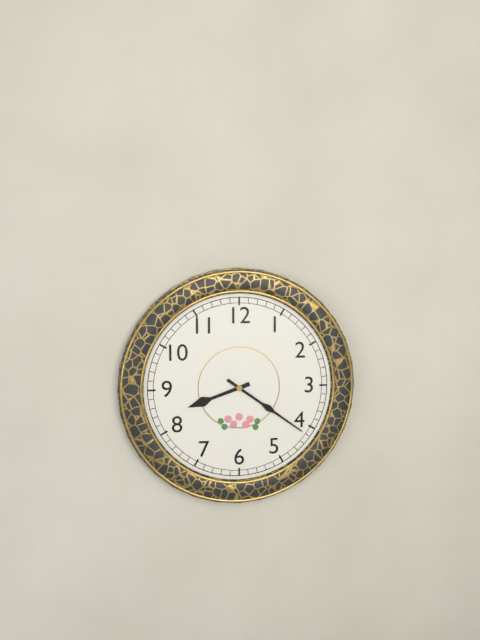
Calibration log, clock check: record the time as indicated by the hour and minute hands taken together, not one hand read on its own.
8:21
